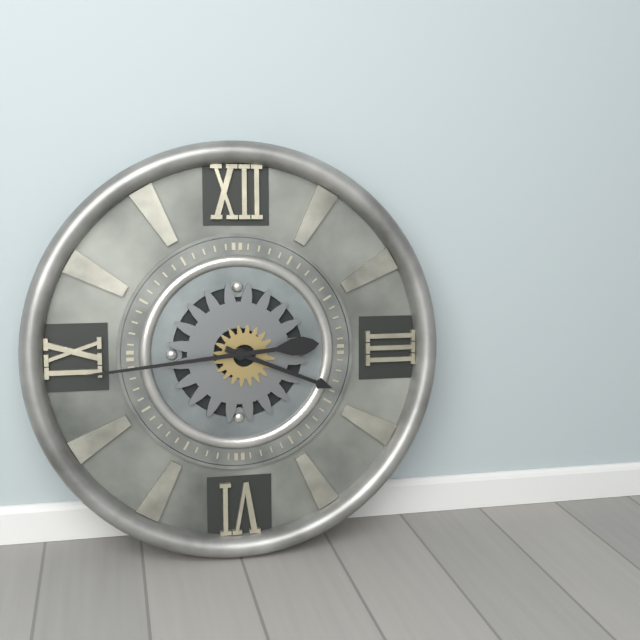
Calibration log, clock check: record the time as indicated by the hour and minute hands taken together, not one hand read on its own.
3:44
